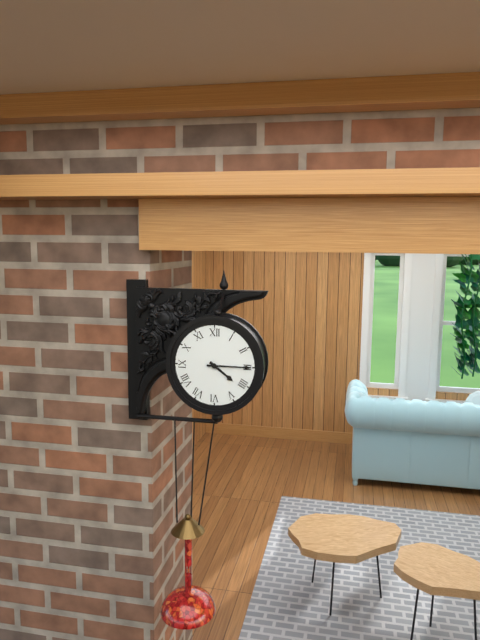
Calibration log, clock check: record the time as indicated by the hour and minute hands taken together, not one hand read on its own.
4:15
